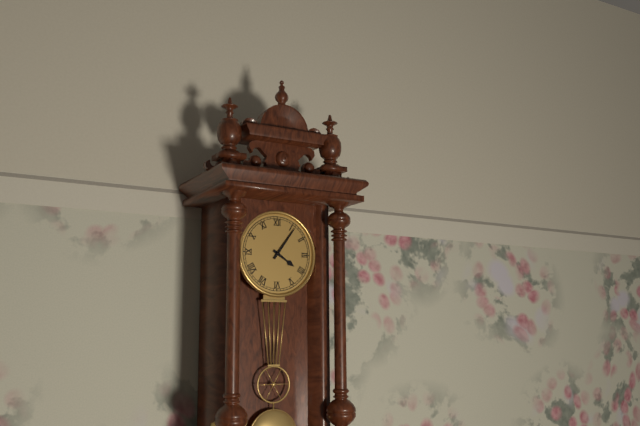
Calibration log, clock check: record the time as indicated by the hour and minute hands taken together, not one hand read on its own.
4:06
